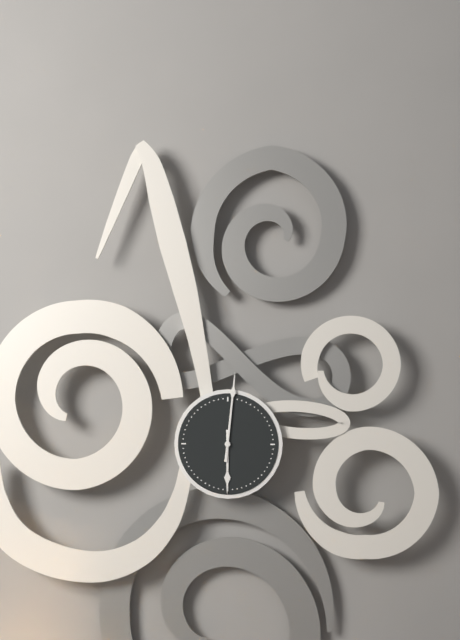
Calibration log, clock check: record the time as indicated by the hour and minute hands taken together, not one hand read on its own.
6:01
